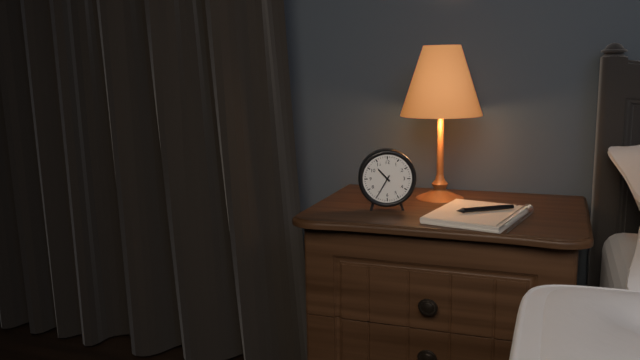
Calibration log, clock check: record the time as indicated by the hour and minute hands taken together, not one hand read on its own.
10:35
